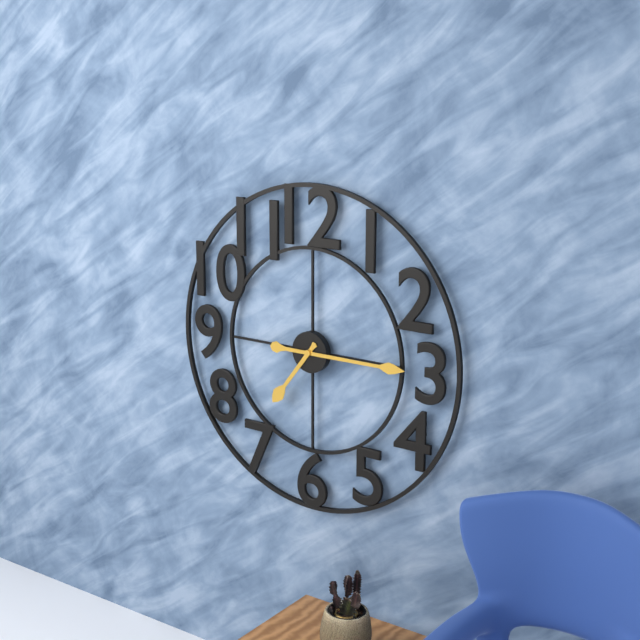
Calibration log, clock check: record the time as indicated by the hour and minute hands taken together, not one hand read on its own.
7:15
